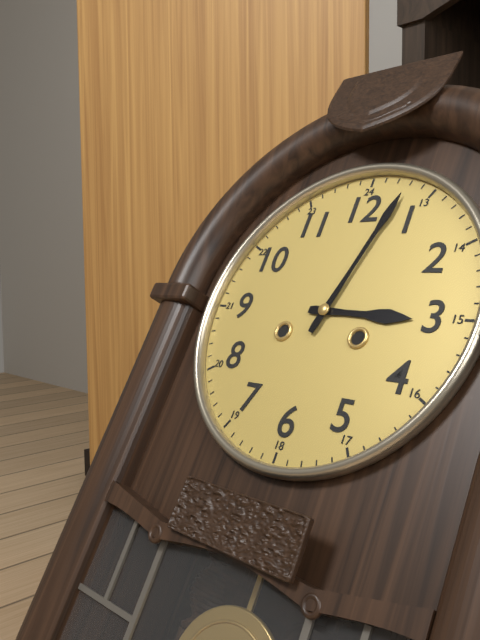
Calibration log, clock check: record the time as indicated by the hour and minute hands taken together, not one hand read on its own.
3:03
